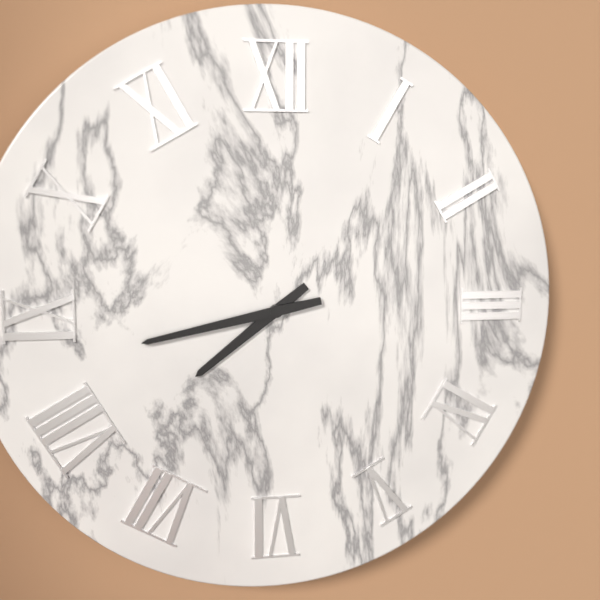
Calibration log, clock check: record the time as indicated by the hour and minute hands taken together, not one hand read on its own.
7:43
